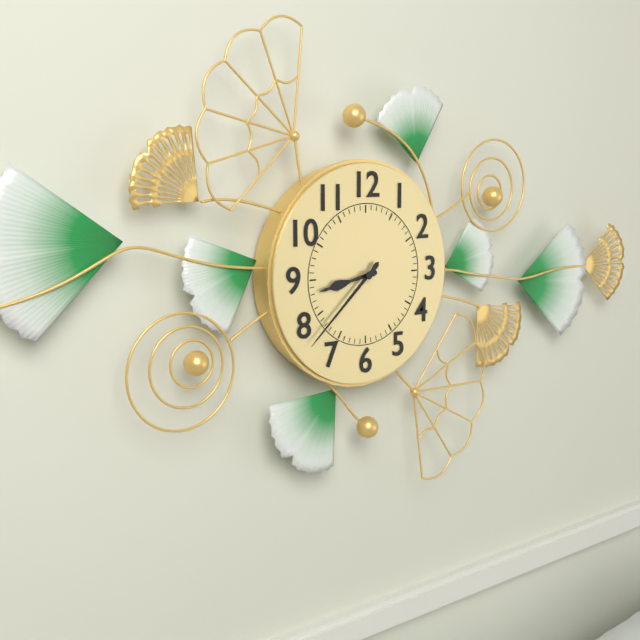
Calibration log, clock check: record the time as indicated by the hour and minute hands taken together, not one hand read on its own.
8:38
